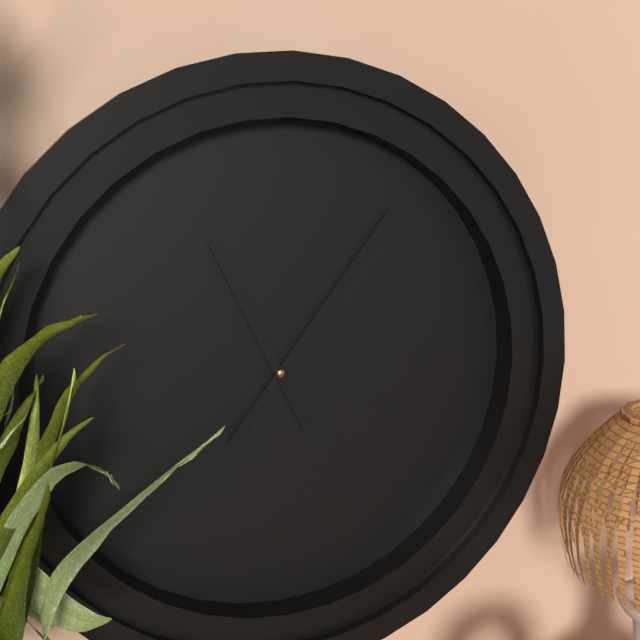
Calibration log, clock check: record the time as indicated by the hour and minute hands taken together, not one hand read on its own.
11:06
